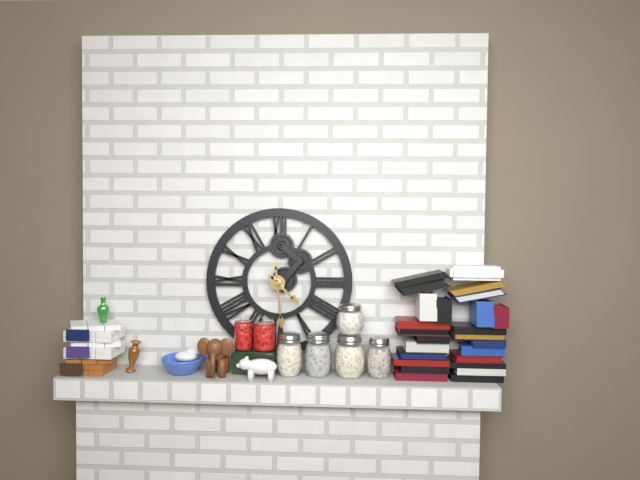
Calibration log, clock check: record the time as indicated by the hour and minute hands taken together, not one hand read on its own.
4:29
